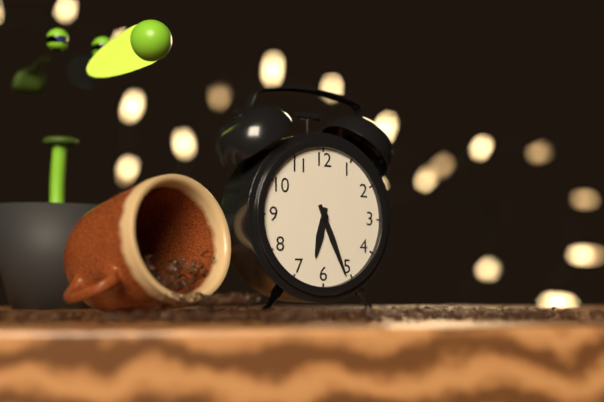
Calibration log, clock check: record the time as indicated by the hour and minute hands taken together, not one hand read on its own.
6:26
